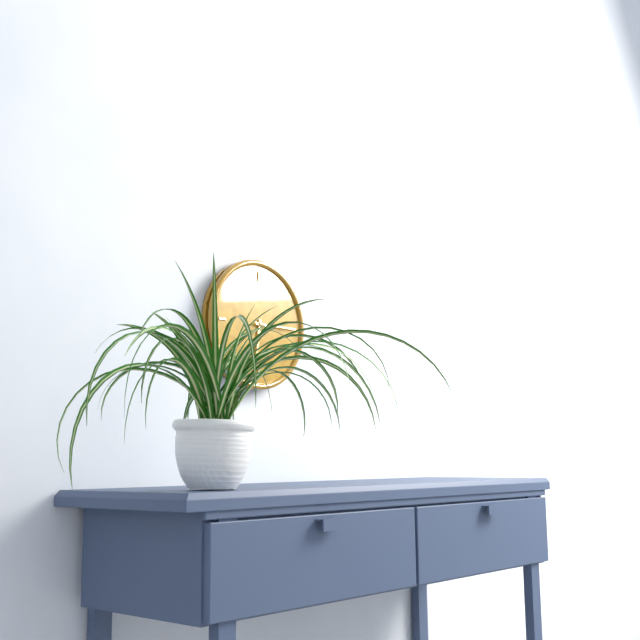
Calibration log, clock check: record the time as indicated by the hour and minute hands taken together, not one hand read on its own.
6:15
